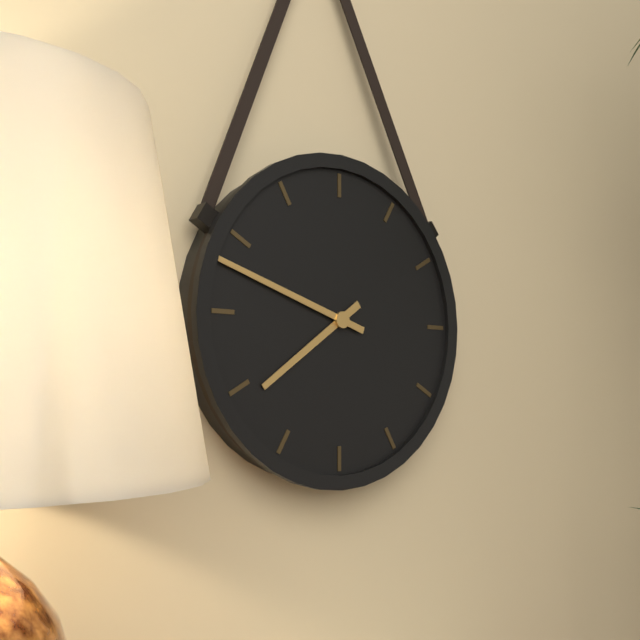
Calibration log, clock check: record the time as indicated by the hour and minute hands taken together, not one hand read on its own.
7:48
